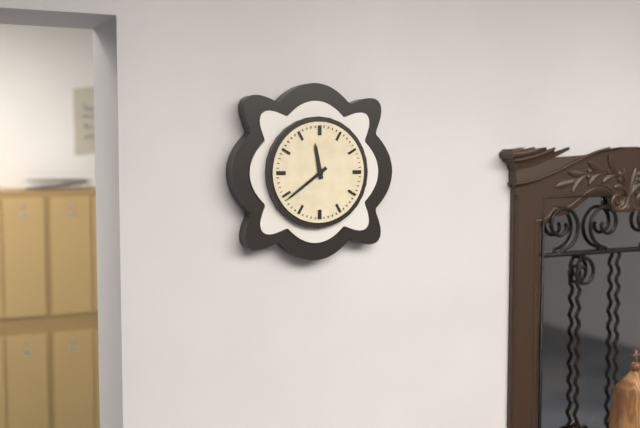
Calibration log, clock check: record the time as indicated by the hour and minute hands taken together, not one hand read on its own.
11:39
